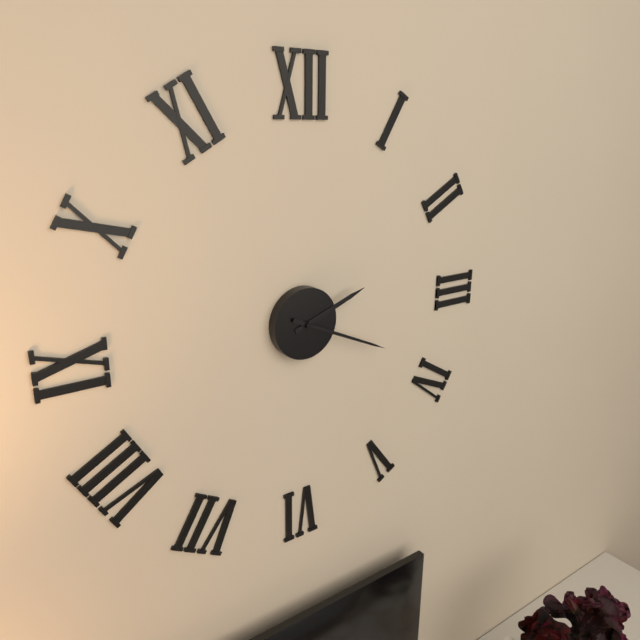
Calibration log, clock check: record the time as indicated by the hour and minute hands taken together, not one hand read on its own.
2:19
